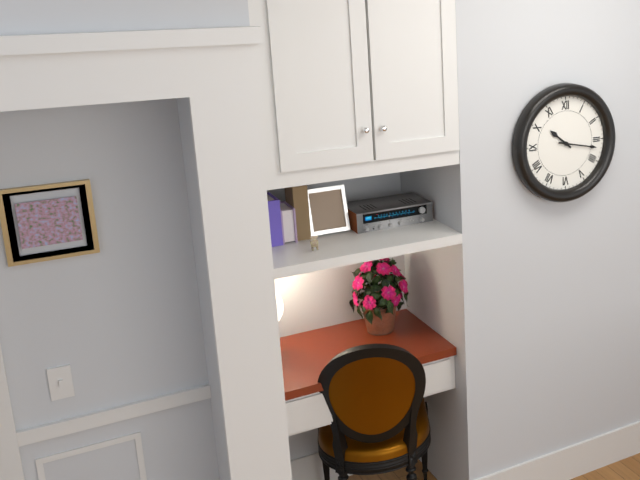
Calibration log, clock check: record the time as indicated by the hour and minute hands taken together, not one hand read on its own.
10:17
